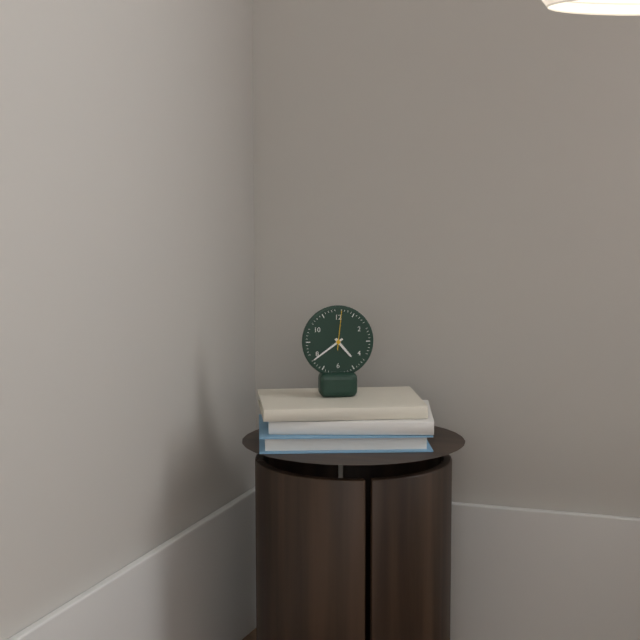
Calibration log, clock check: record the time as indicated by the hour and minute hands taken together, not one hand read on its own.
4:39
